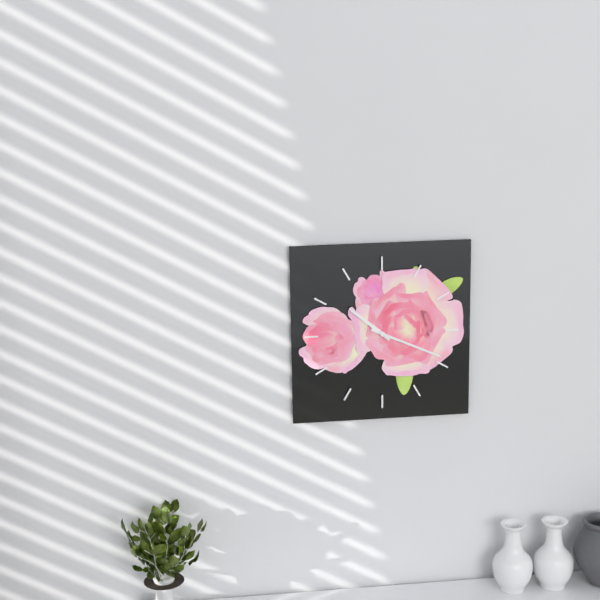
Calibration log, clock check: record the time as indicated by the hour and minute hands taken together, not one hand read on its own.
10:19
